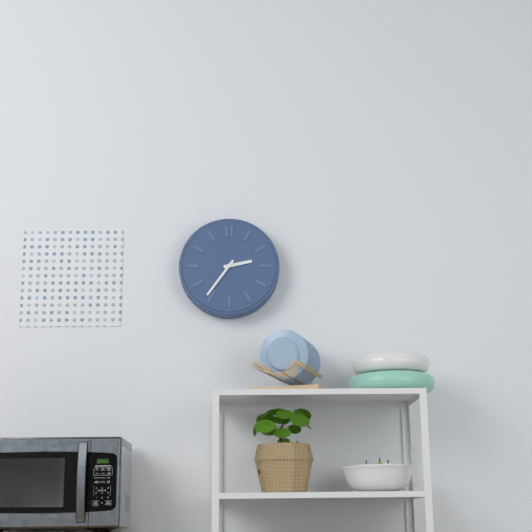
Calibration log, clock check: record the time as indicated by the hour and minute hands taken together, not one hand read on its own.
2:36
